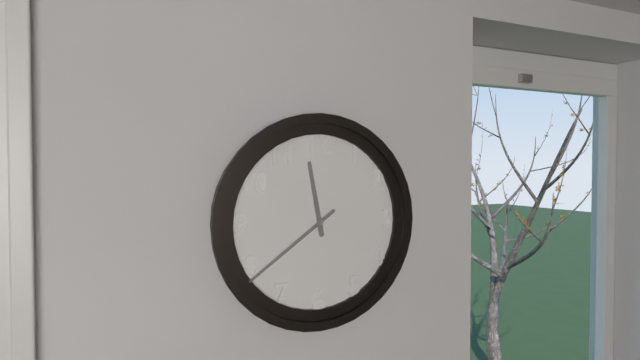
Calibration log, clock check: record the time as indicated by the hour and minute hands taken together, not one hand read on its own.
11:39
